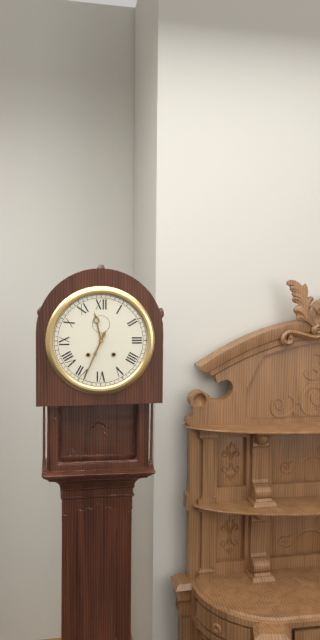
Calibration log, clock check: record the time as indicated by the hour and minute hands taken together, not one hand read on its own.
11:34
